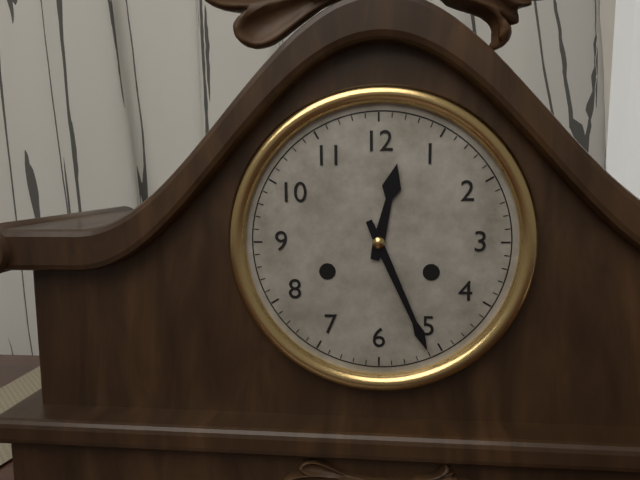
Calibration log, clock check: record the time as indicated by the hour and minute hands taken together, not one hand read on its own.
12:26
